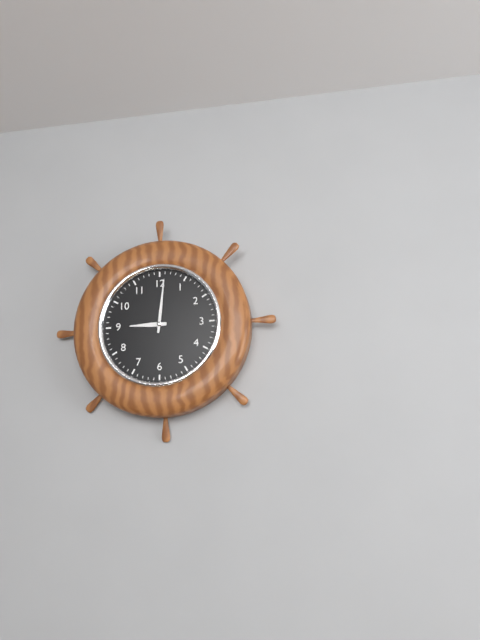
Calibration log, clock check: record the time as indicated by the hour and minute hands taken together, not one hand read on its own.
9:01
